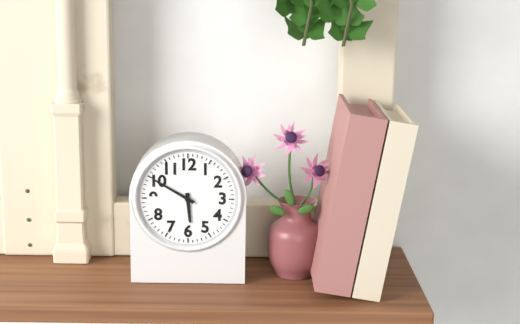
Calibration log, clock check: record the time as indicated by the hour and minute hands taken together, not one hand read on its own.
5:50
